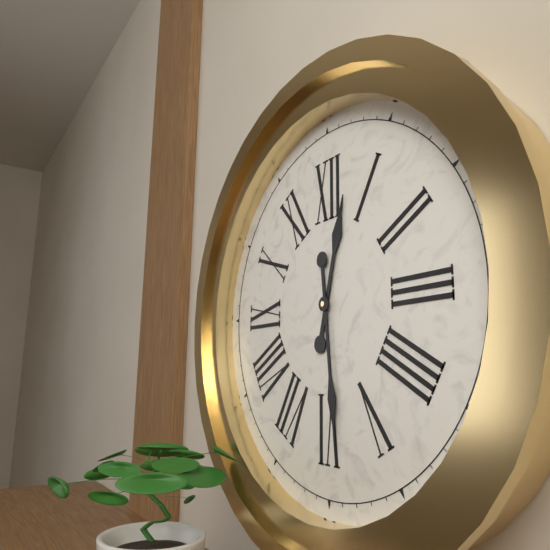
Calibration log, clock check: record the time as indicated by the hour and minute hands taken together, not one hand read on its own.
12:29
